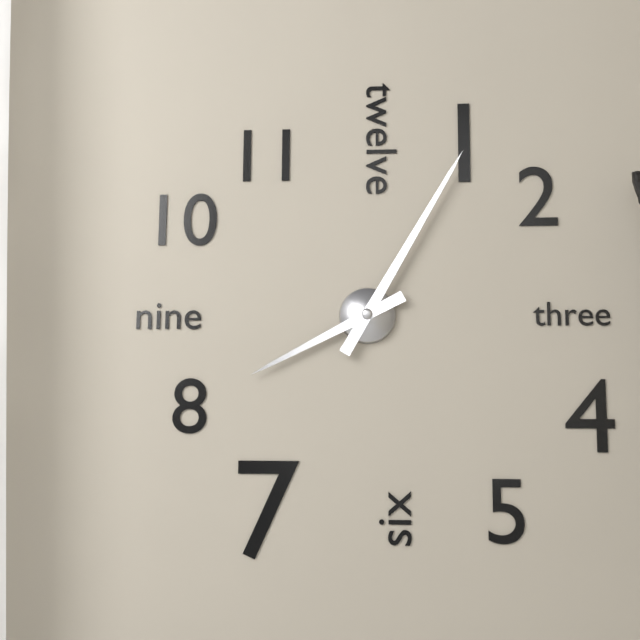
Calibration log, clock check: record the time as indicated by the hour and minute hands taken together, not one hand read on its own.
8:05
